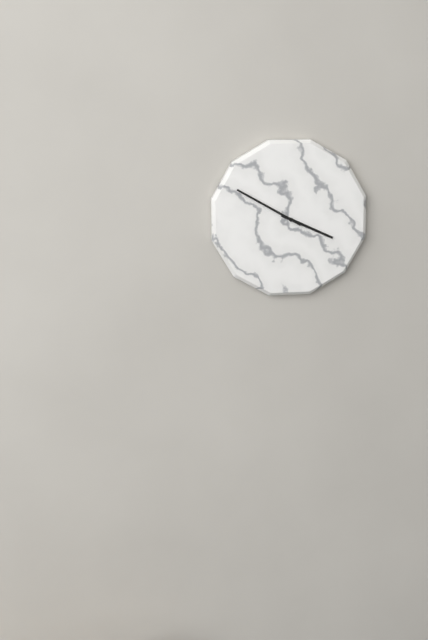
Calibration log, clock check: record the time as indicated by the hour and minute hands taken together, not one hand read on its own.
3:50
